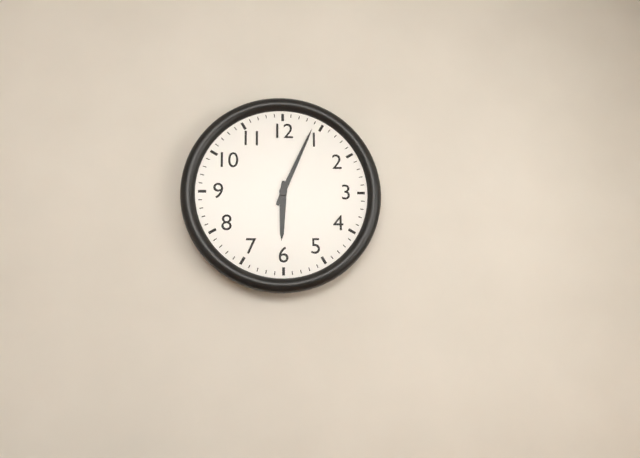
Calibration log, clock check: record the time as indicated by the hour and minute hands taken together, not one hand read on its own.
6:04
